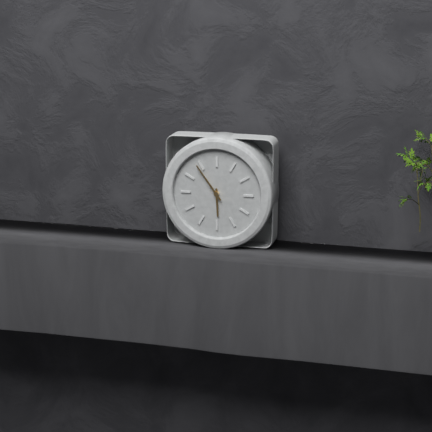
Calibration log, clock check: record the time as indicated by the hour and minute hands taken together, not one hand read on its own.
5:54
